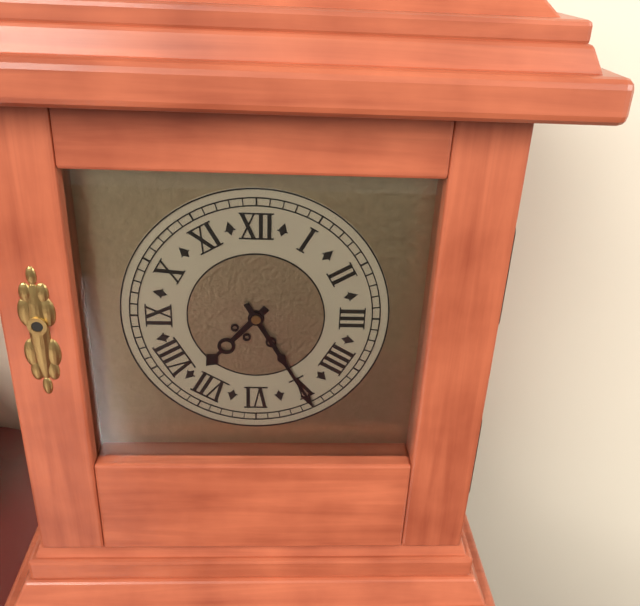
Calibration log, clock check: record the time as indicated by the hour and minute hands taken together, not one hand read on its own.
7:25
